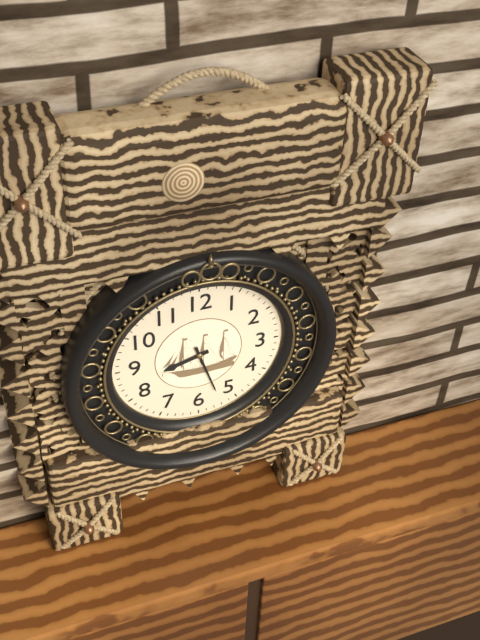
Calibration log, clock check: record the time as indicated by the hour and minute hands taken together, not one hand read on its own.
8:27
